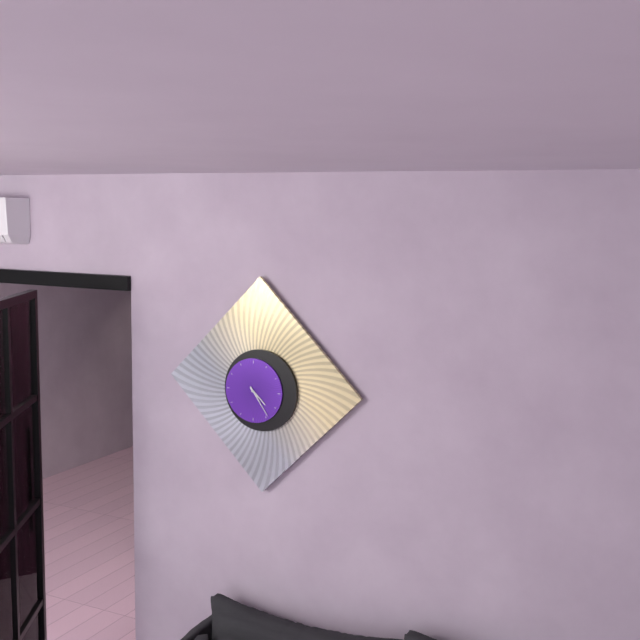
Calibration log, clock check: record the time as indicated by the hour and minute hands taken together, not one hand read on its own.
4:24
